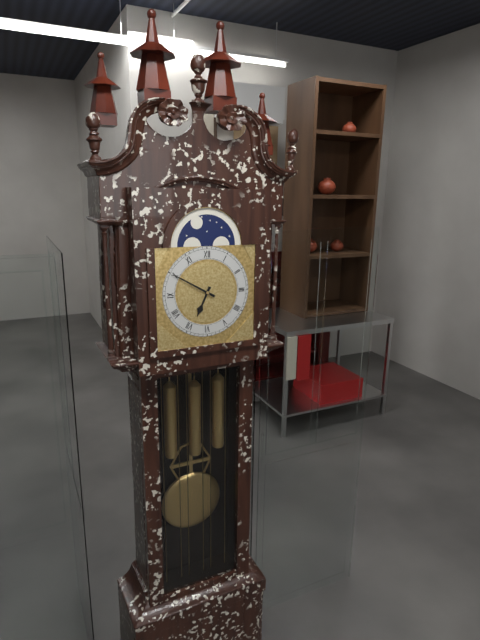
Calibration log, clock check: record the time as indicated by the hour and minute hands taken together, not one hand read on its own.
6:50
